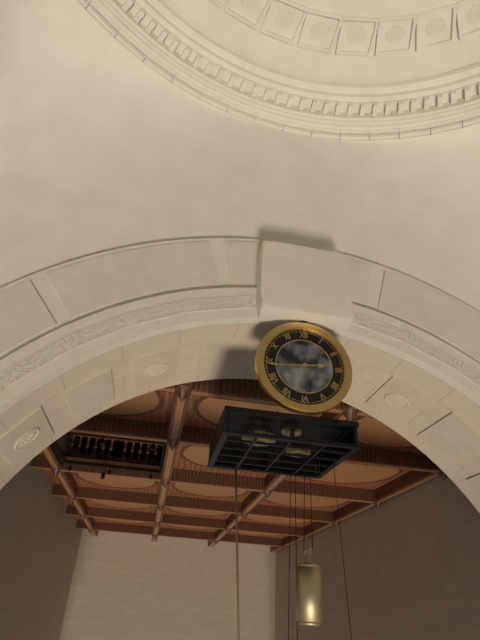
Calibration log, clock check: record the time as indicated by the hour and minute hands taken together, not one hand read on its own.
2:44
